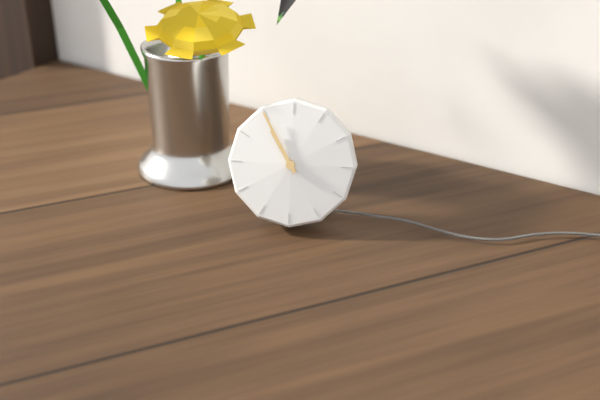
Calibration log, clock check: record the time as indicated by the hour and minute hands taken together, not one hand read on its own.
10:55
